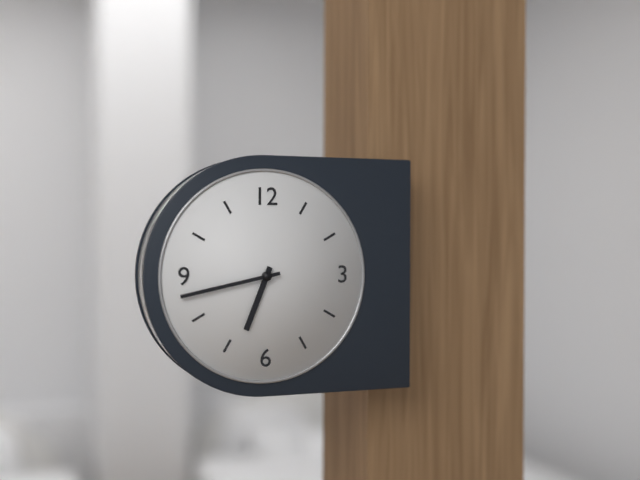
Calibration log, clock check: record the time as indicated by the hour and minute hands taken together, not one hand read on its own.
6:43
